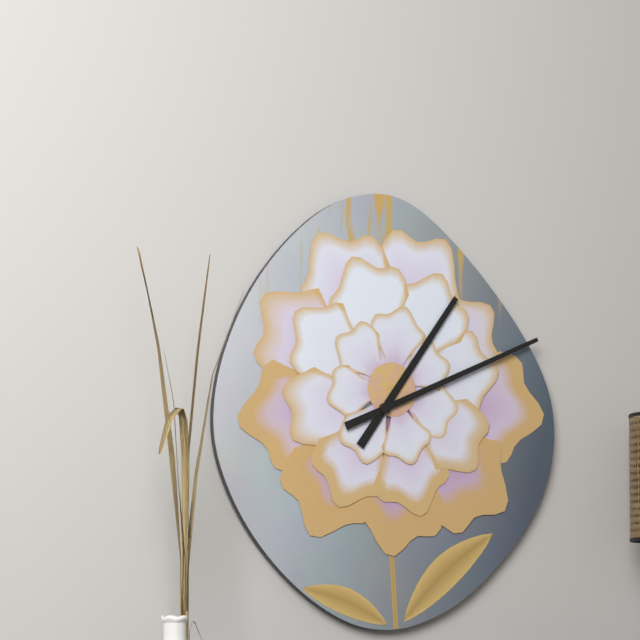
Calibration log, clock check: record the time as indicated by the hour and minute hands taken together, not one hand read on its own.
1:11
